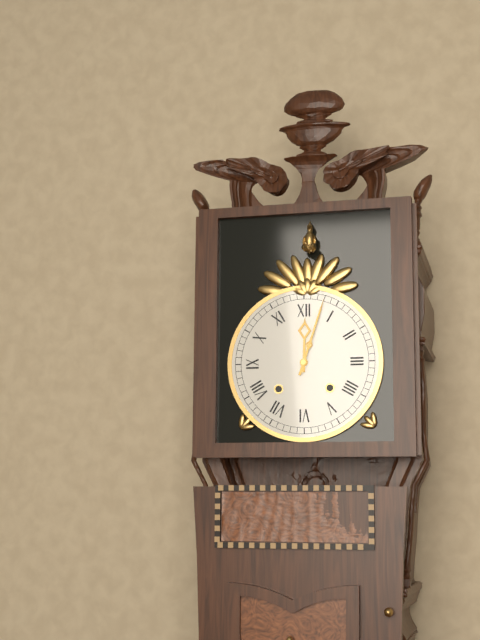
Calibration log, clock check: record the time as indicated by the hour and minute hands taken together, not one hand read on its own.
12:03
